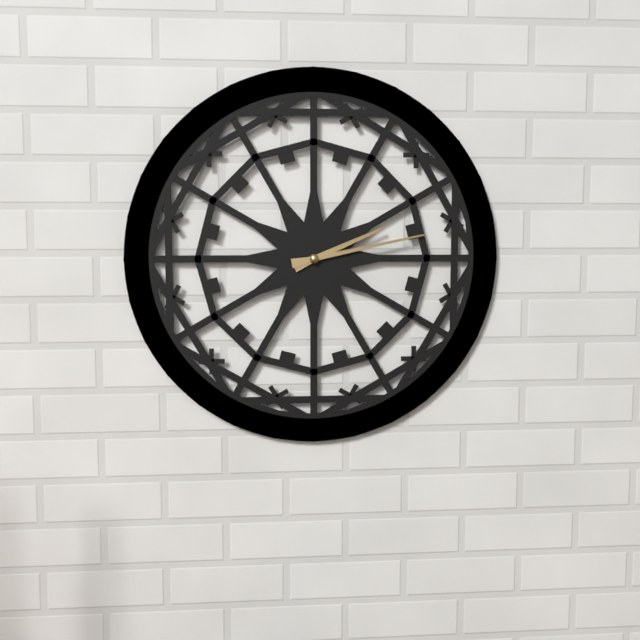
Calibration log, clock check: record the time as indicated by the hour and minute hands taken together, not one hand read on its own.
2:13
